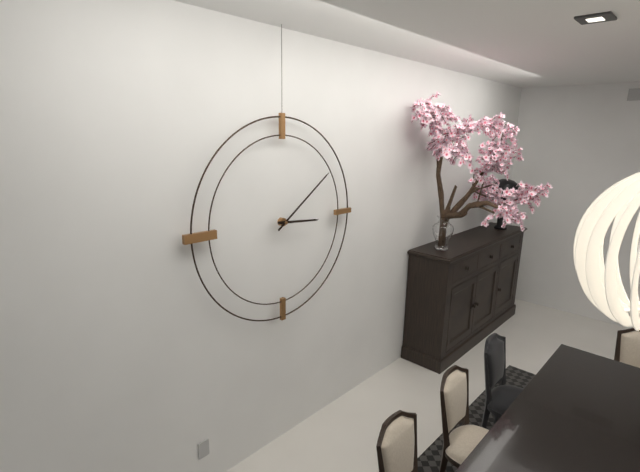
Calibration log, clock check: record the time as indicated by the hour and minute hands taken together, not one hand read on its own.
3:09
